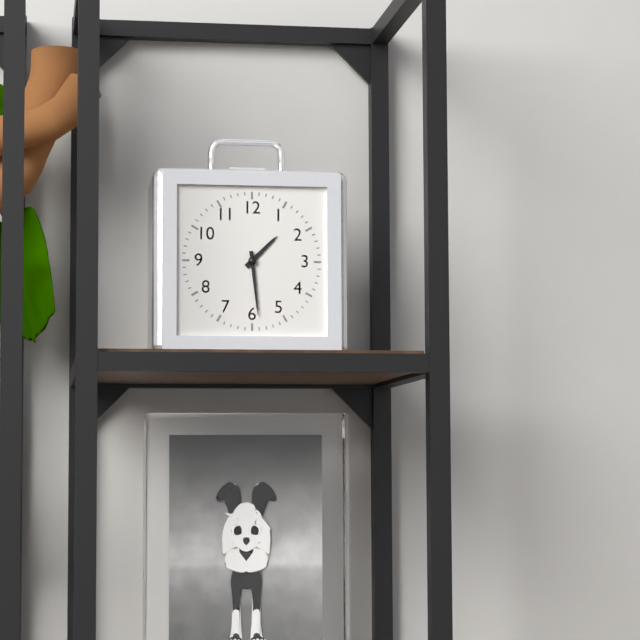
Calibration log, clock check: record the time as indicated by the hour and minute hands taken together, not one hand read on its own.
1:29
